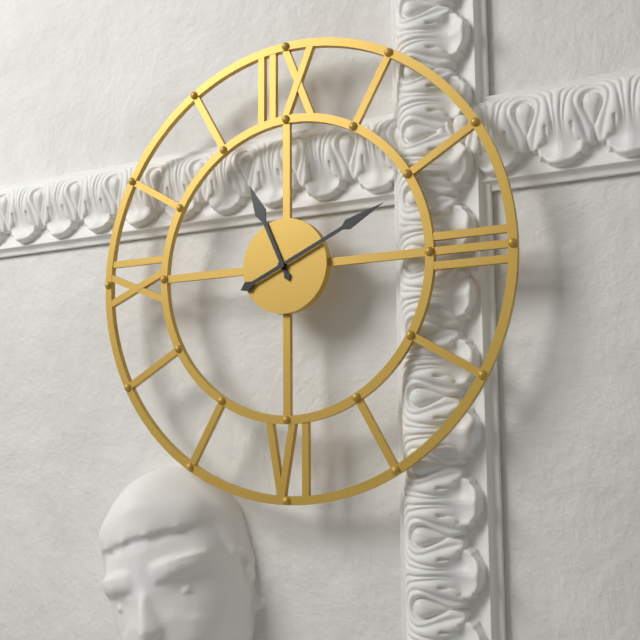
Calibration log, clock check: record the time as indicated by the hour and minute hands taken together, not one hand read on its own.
11:11
